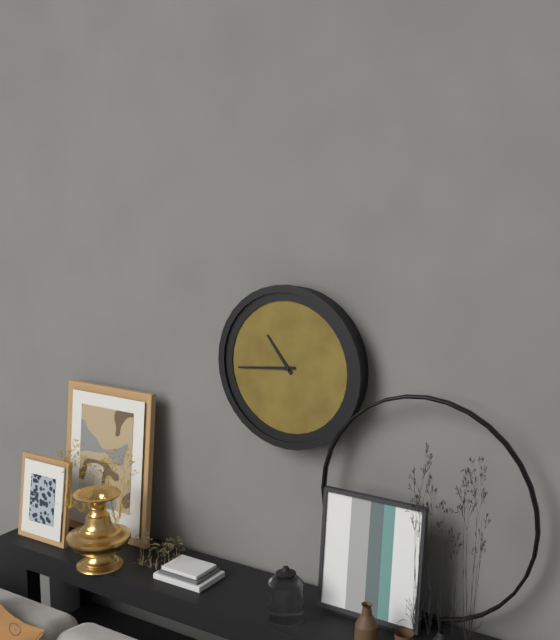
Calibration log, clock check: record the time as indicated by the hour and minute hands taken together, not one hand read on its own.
10:44
